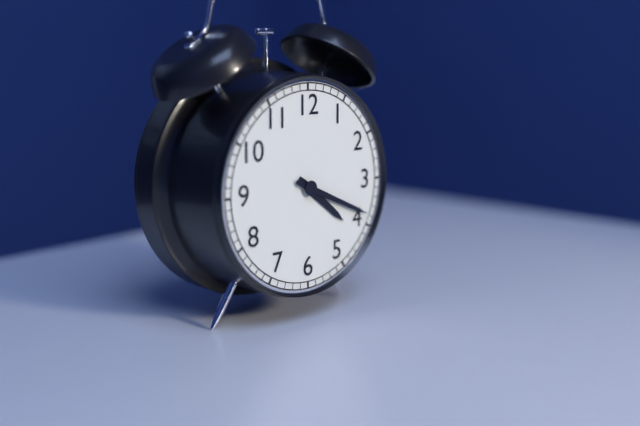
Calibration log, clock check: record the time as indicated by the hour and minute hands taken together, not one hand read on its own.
4:19
